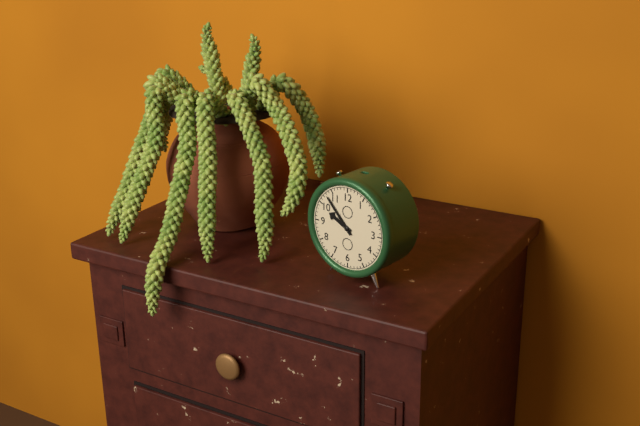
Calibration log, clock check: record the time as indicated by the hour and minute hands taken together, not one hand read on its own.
9:53
